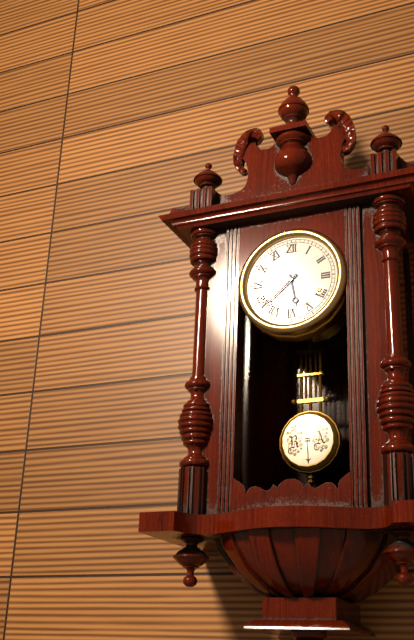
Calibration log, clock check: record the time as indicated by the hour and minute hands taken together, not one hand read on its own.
5:38
